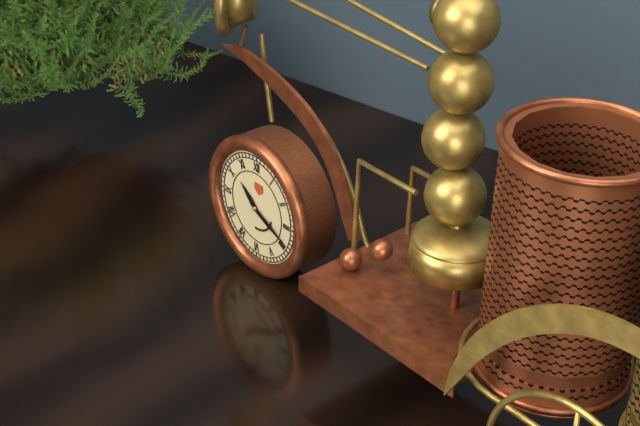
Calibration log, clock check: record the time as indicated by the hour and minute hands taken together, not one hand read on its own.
10:19
